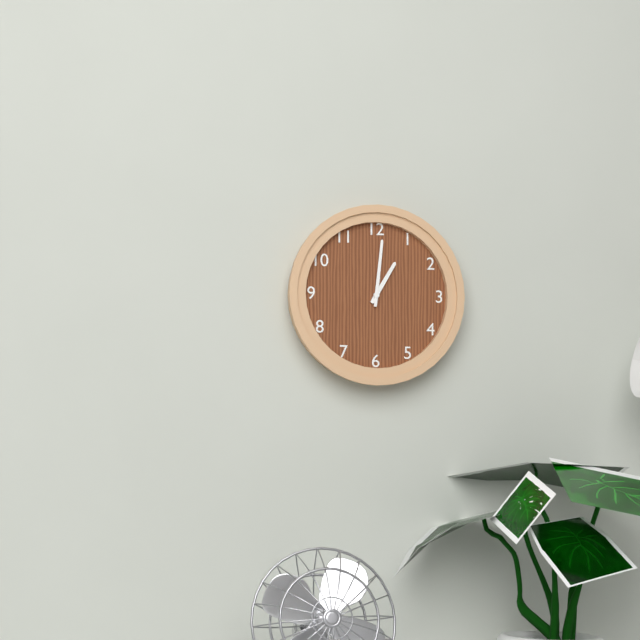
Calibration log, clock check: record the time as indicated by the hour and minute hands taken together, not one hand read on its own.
1:01
